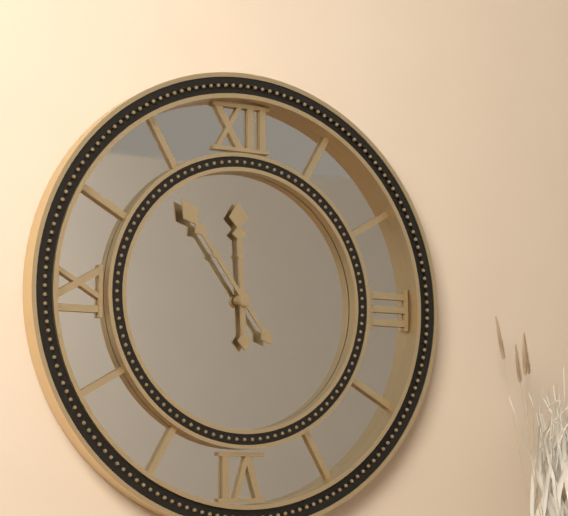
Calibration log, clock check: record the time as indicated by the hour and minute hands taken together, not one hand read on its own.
11:54
